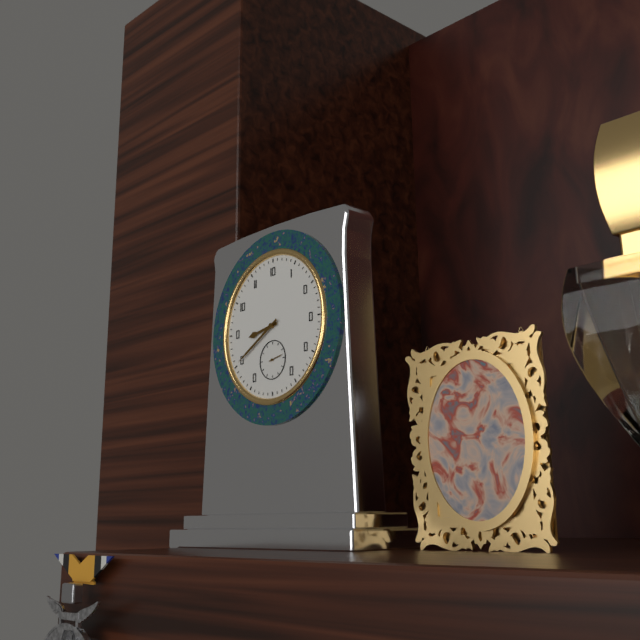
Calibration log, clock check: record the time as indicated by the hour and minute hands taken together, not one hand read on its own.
8:40
